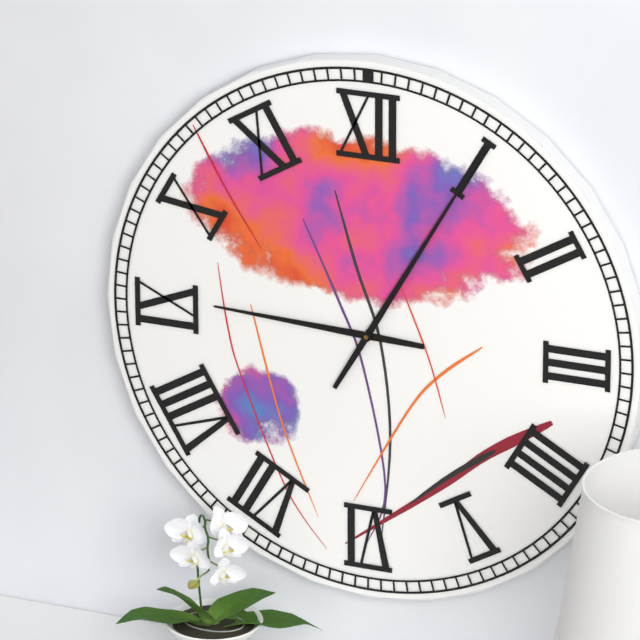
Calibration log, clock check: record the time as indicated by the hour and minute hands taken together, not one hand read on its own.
9:05
